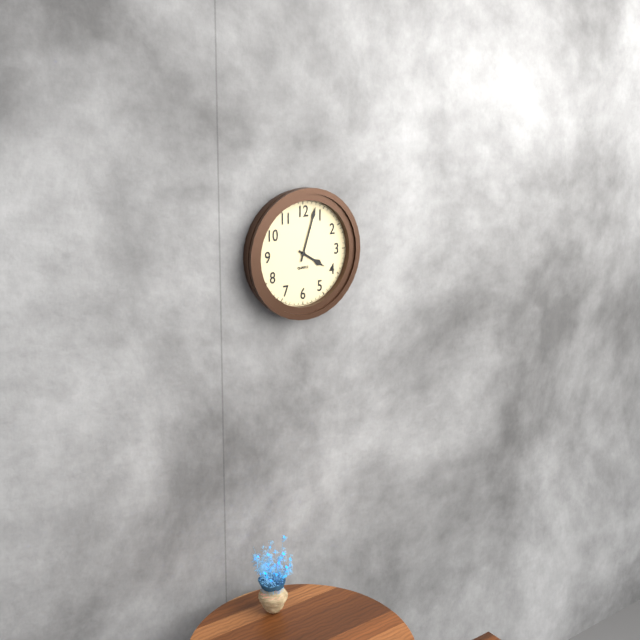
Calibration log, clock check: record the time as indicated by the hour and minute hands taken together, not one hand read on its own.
4:03
